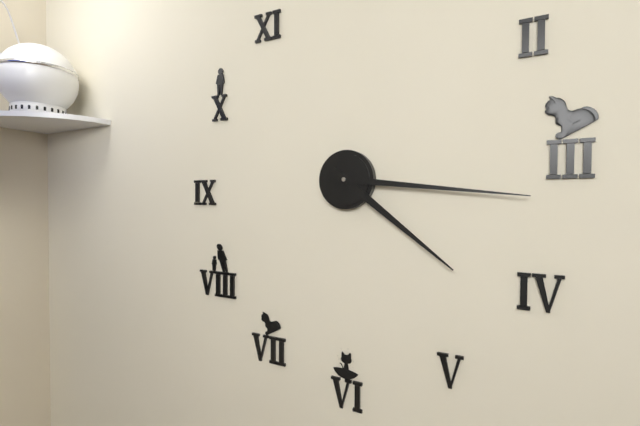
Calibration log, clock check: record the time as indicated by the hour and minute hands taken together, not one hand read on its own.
4:16
